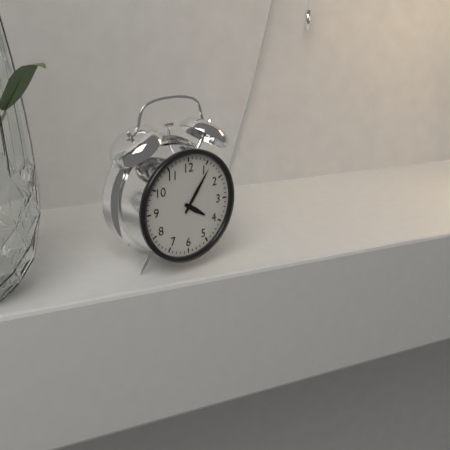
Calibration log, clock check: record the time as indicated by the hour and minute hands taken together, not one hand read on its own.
4:06
